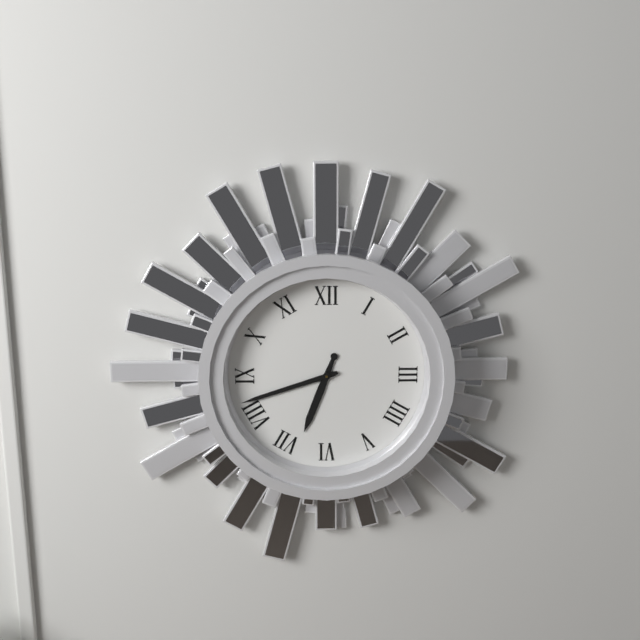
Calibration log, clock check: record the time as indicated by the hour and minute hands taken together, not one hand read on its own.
6:42
